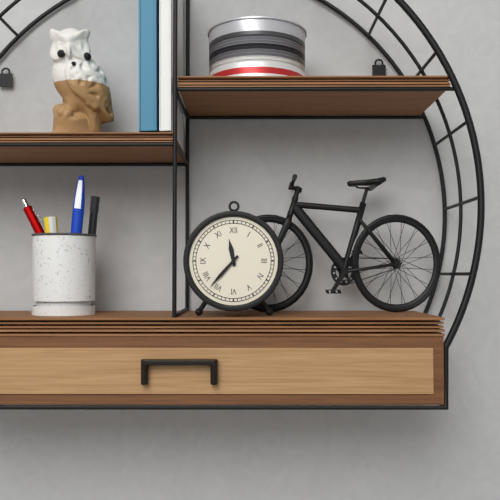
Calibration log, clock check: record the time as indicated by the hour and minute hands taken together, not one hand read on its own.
11:37
